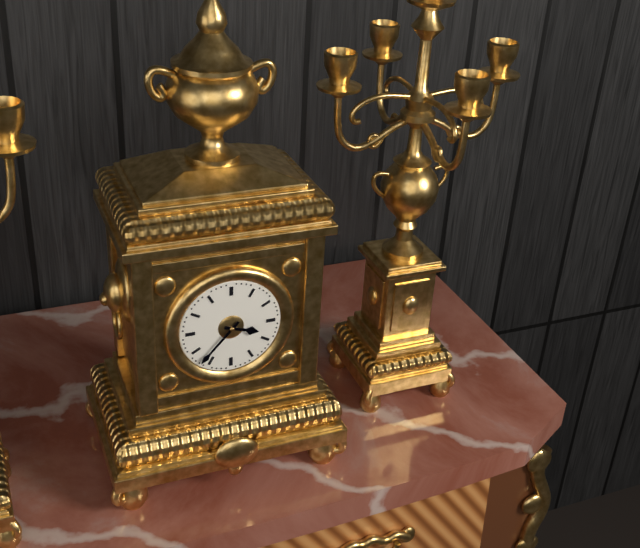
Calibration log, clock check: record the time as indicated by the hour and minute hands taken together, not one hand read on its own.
3:37
